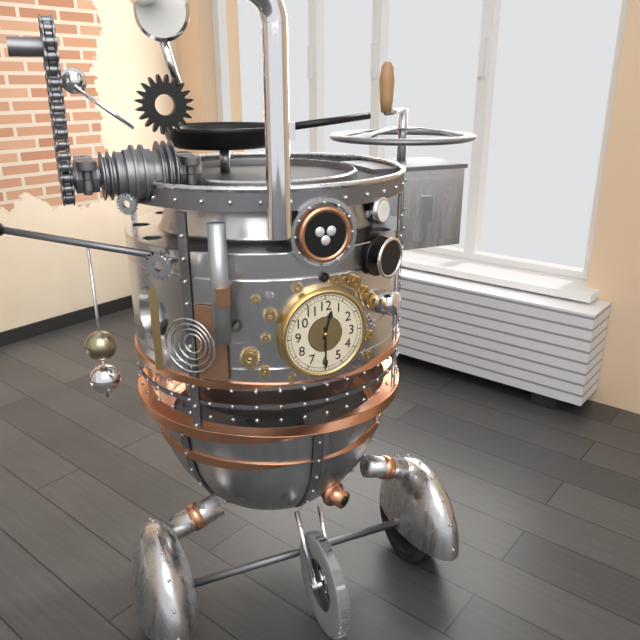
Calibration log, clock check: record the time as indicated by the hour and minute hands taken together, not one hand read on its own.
12:30
